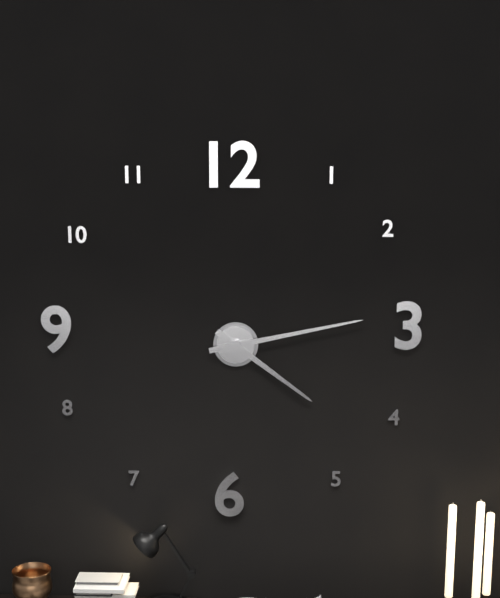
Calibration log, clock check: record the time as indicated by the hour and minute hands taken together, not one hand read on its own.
4:13
